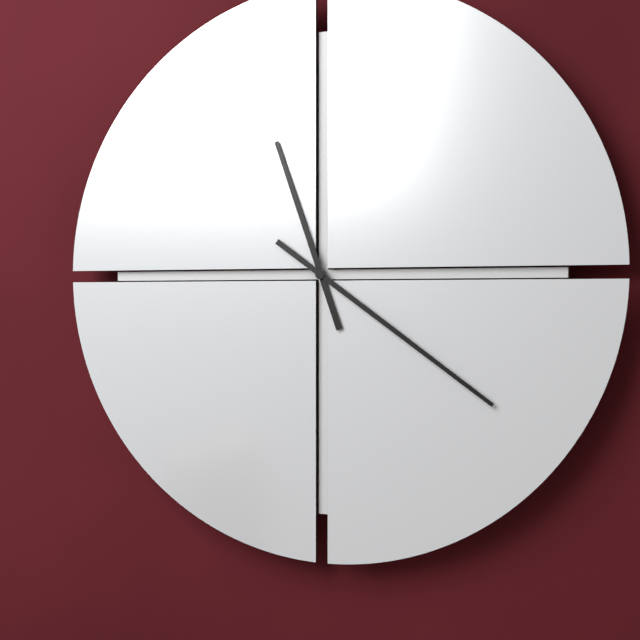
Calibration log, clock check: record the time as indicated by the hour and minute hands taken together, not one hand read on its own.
11:21
